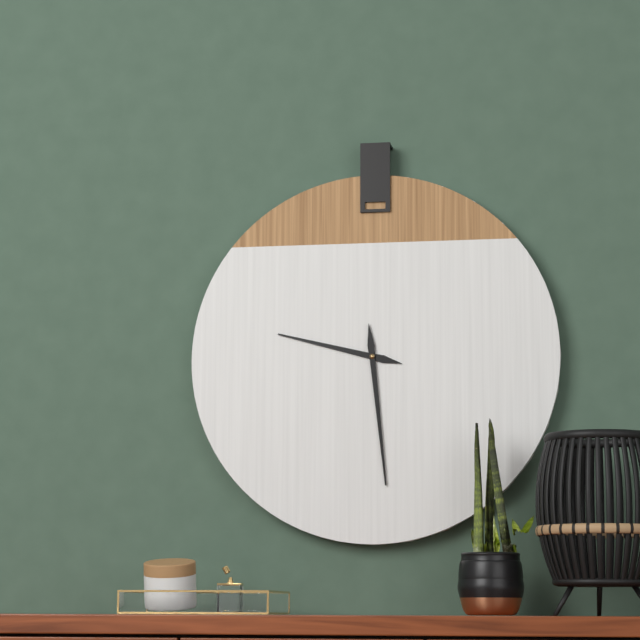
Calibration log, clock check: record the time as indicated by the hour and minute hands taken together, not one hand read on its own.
9:29
